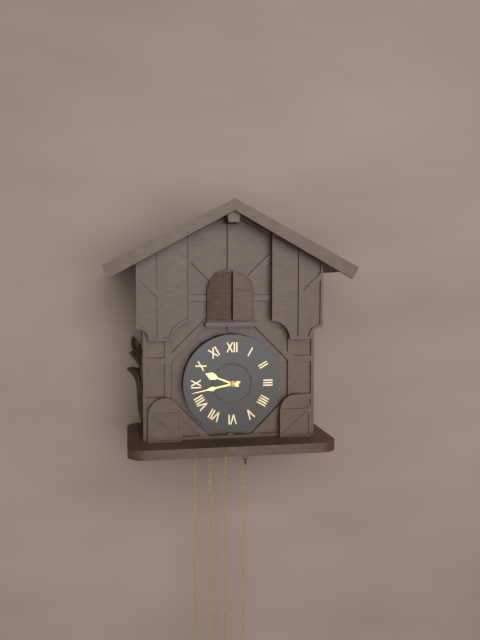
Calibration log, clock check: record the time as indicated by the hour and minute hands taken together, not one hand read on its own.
9:43
